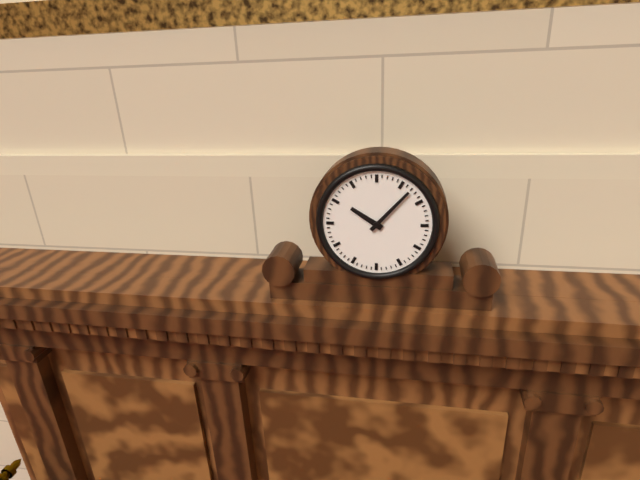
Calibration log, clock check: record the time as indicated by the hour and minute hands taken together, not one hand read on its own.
10:07
